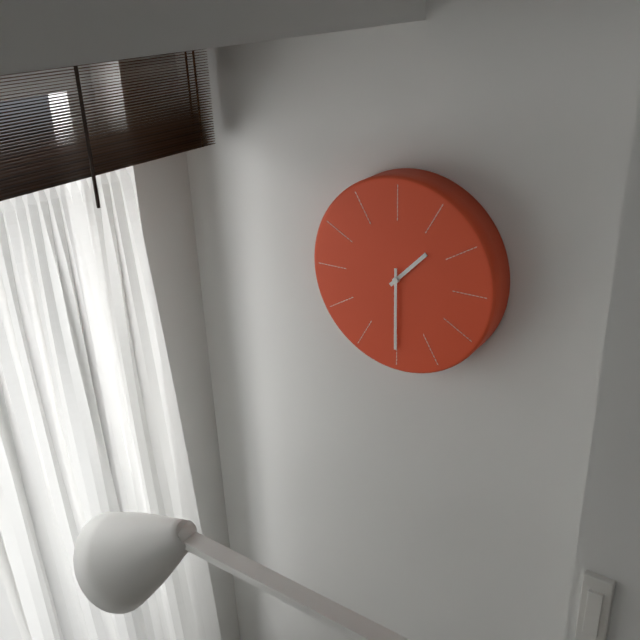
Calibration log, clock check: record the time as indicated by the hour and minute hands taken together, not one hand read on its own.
1:30
